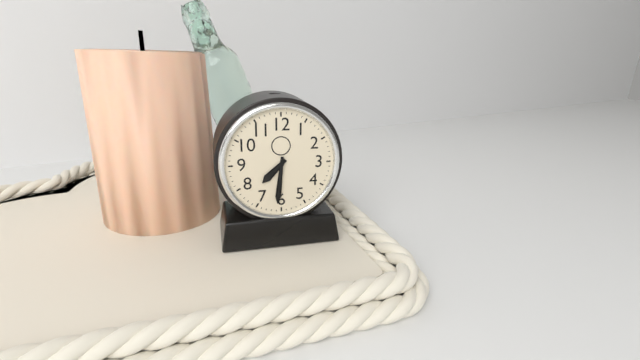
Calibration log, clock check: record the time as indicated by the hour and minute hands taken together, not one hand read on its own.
7:31
